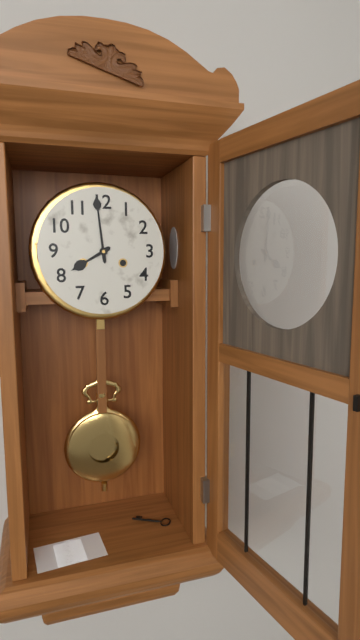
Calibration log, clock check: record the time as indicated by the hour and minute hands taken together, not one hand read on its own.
7:59
